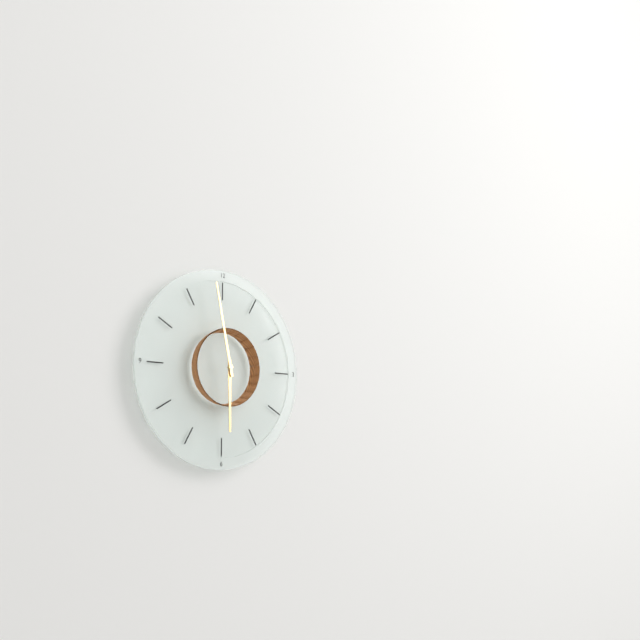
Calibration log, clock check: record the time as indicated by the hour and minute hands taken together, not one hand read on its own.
5:58
